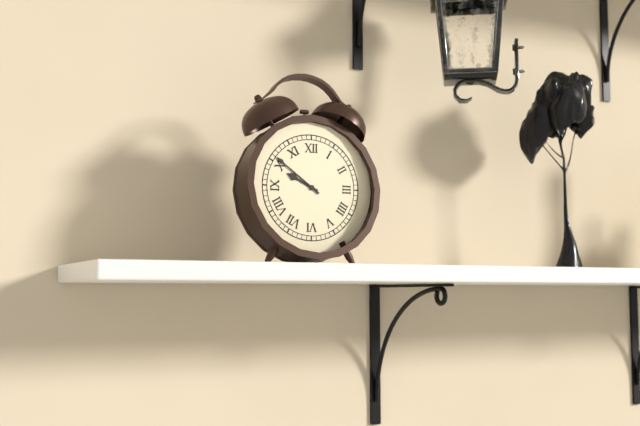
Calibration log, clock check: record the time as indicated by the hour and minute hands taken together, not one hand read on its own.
9:51
